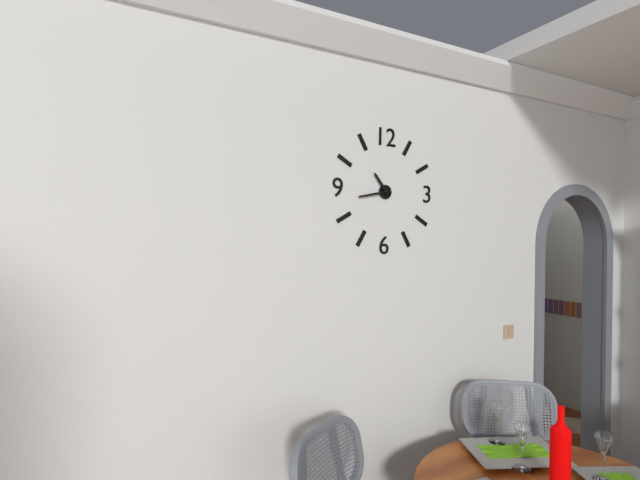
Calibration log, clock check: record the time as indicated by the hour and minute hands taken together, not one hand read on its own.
10:43
